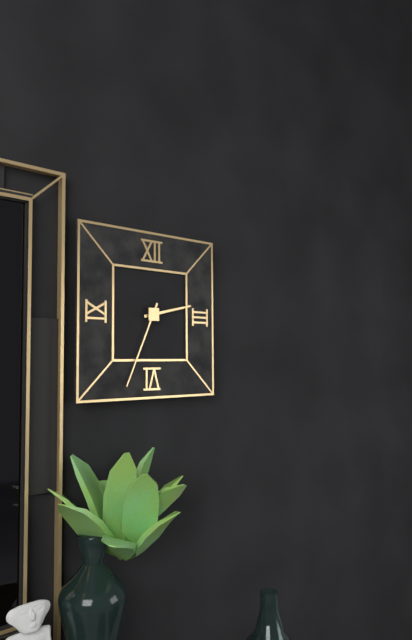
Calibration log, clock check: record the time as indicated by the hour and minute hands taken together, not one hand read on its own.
2:34
